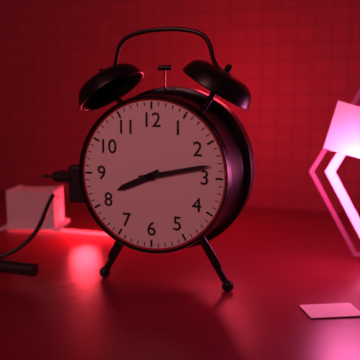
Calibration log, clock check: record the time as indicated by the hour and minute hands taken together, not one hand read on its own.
8:13
